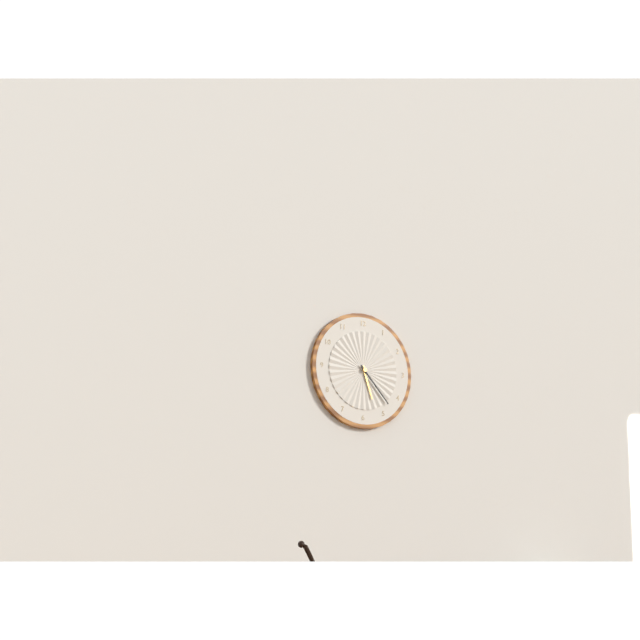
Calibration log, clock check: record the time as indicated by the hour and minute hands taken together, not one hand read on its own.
5:23
